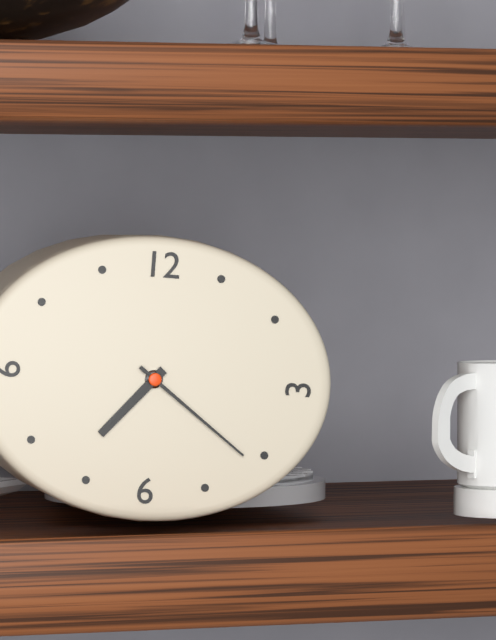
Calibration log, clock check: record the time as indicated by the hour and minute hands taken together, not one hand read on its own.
7:21
